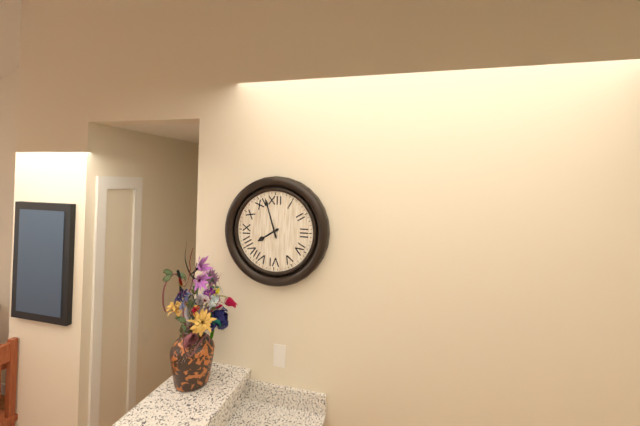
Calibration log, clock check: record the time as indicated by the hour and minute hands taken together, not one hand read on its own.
7:57
